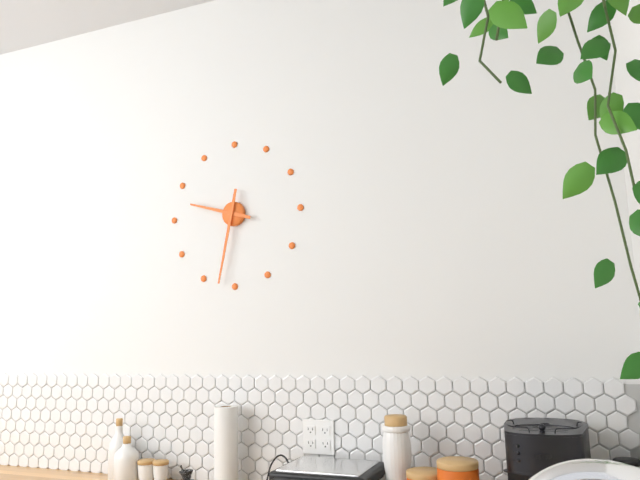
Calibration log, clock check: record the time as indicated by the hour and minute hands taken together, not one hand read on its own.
9:32
